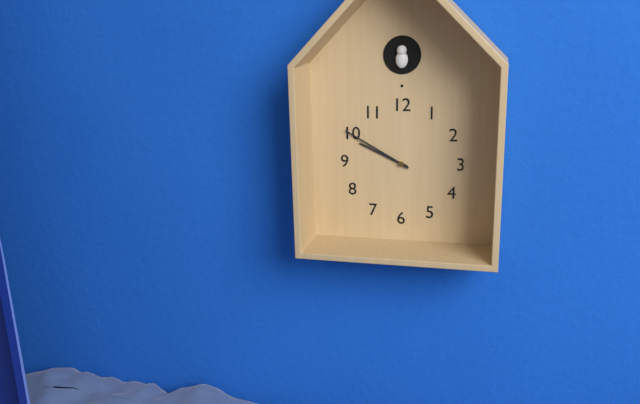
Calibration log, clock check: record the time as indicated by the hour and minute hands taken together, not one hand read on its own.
9:50
